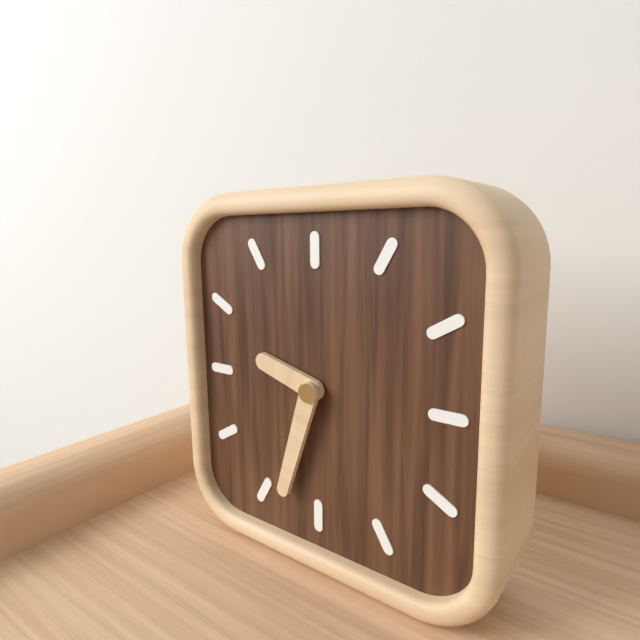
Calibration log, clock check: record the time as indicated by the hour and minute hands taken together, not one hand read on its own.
9:33
